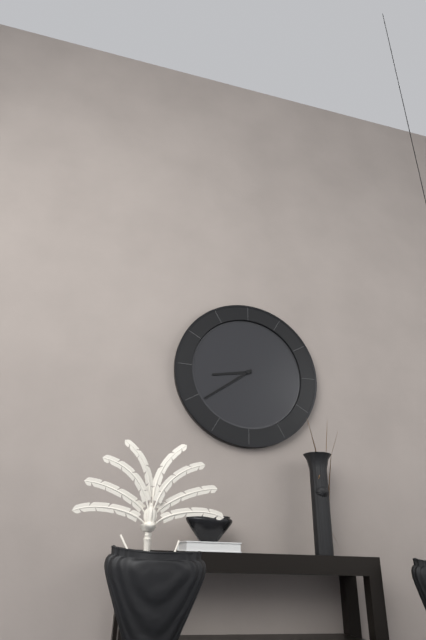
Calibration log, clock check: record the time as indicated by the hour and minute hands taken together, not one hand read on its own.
8:39
